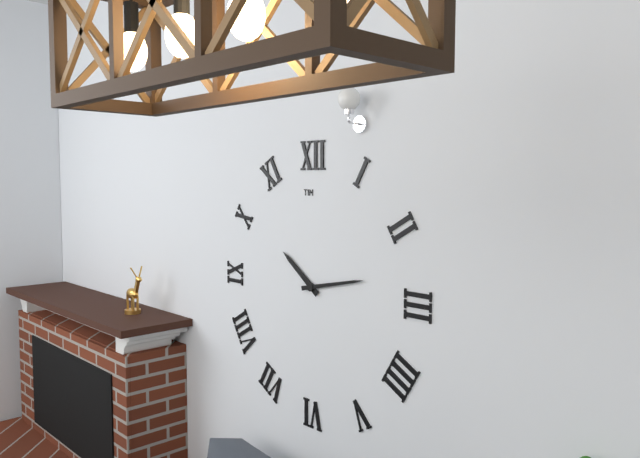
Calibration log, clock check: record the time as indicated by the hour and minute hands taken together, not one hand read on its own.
10:13
